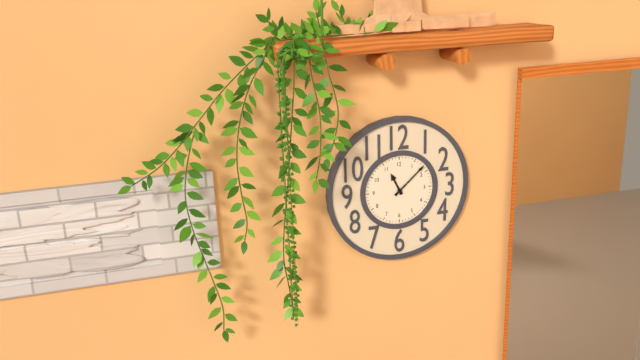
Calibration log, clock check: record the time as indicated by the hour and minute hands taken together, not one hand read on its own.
11:08
